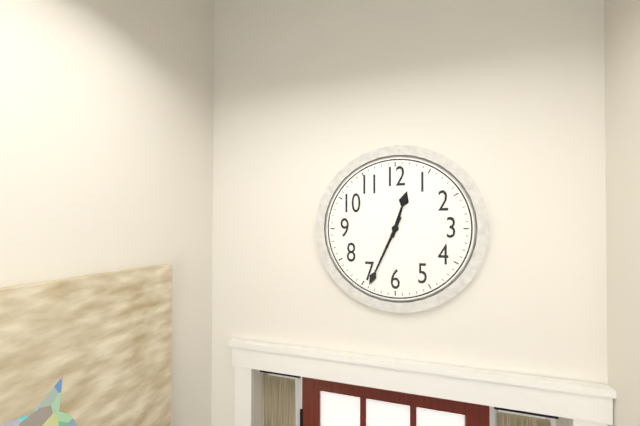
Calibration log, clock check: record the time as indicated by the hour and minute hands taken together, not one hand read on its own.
12:34
